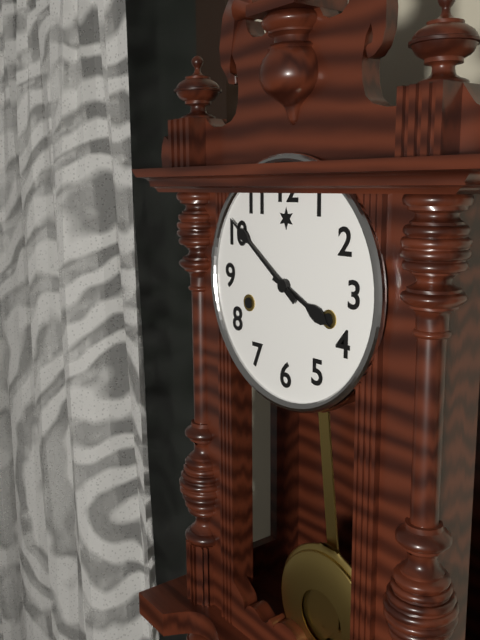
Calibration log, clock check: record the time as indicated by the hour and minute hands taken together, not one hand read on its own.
3:51
